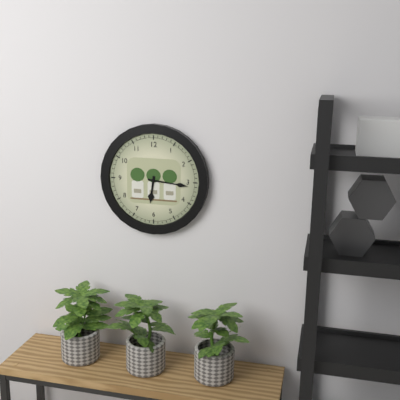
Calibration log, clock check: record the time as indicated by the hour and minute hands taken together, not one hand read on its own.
6:16
